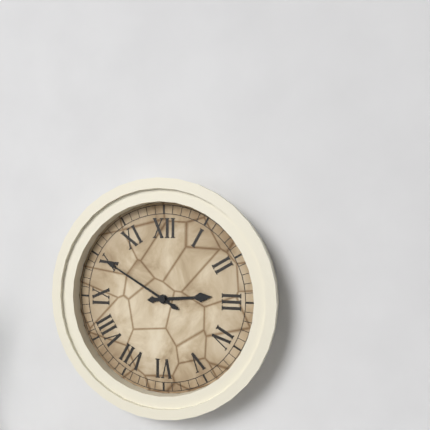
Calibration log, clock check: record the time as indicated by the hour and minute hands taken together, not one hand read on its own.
2:50
